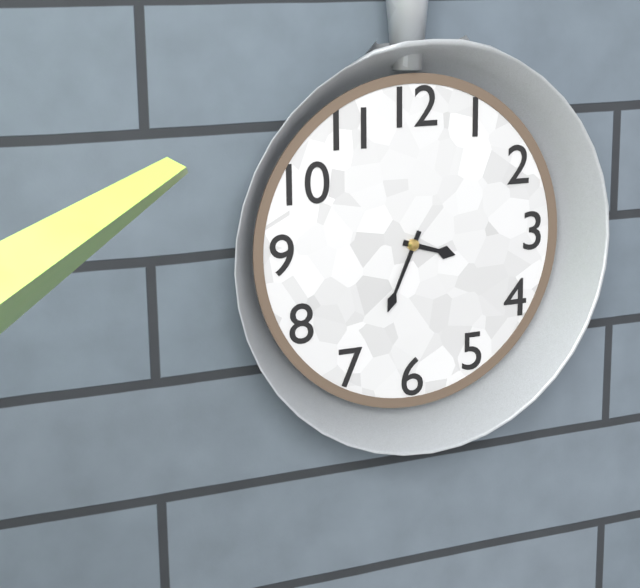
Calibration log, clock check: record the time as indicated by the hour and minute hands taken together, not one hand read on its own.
3:34
